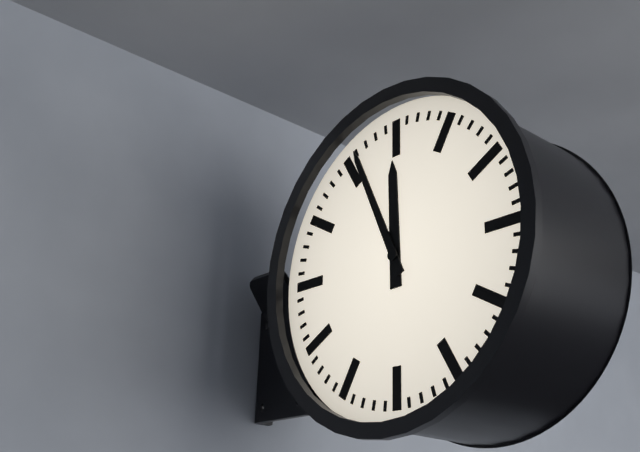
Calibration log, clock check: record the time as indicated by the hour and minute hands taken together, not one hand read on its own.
11:56
